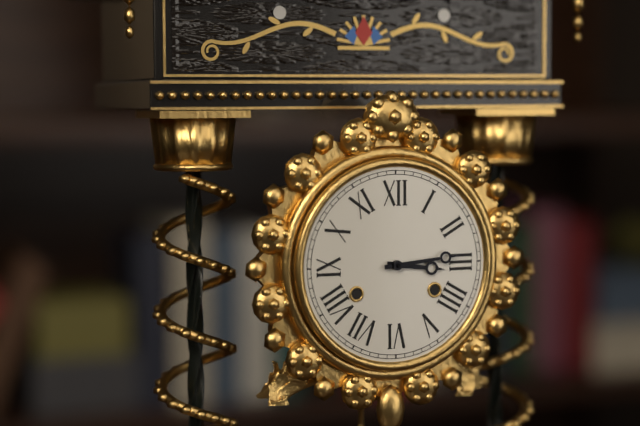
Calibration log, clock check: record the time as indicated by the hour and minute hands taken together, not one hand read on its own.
3:14
